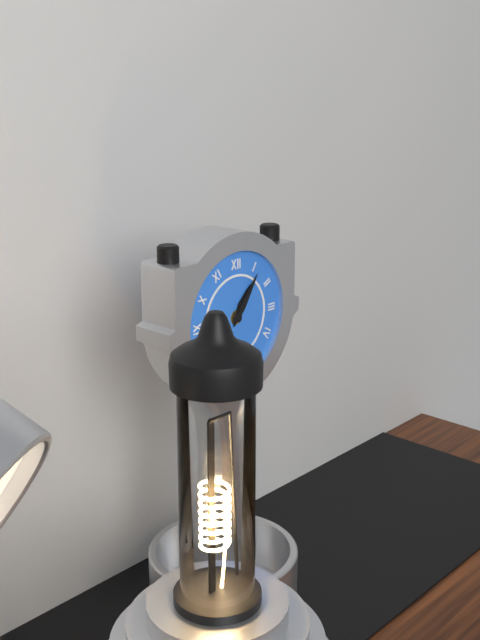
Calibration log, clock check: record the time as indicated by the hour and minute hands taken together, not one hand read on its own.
1:06
